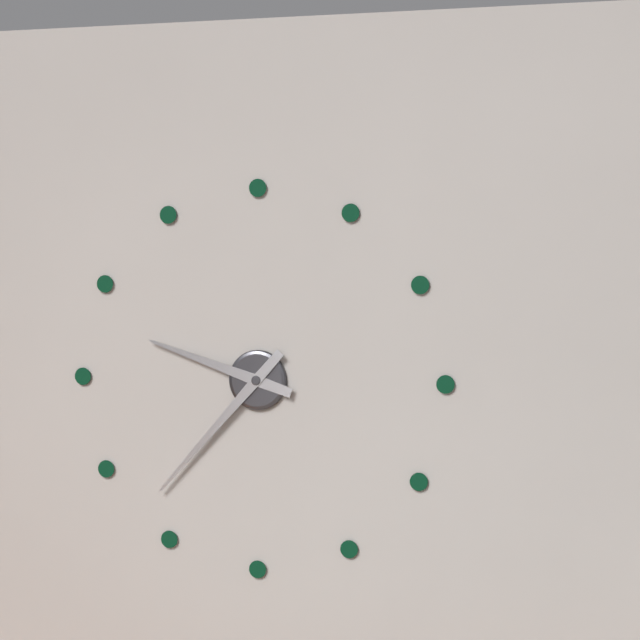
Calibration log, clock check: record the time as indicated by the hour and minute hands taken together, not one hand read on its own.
9:37
